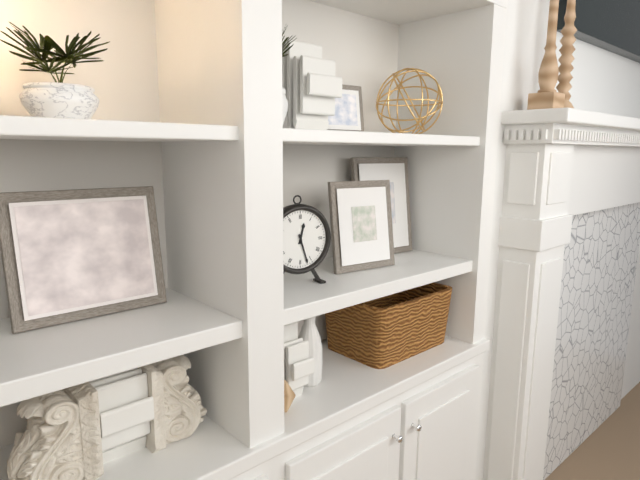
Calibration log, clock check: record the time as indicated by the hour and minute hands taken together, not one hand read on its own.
12:27
